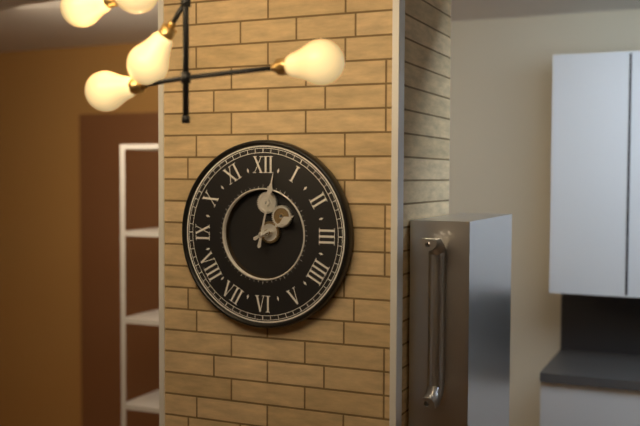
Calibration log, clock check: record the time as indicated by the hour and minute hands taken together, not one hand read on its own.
2:02
